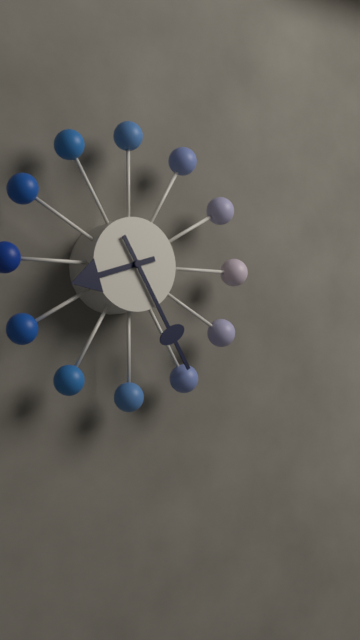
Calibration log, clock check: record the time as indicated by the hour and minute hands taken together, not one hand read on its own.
8:25
